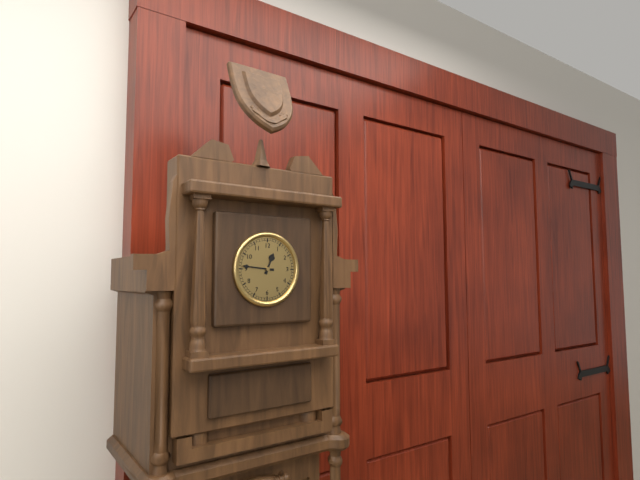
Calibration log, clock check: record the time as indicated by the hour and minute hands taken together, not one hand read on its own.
12:46
